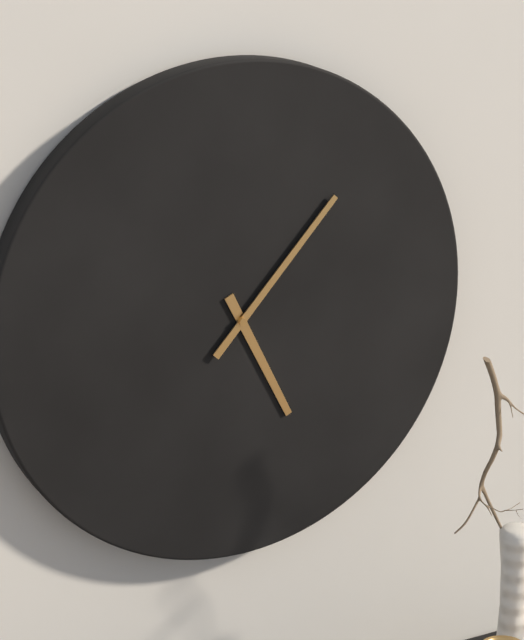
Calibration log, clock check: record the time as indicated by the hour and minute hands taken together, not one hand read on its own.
5:07
